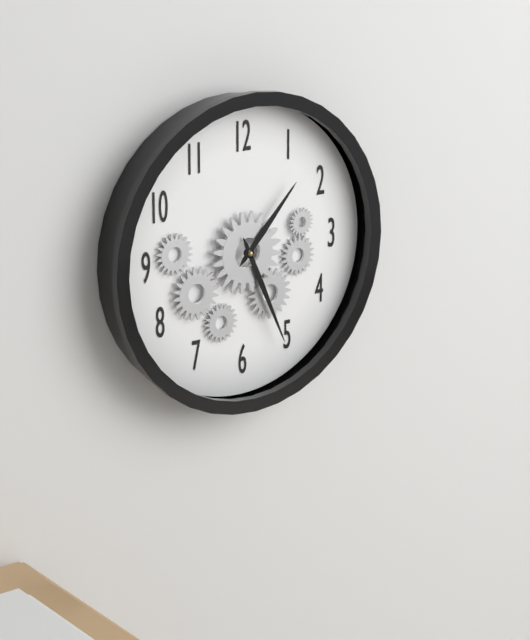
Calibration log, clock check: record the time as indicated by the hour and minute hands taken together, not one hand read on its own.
1:26
